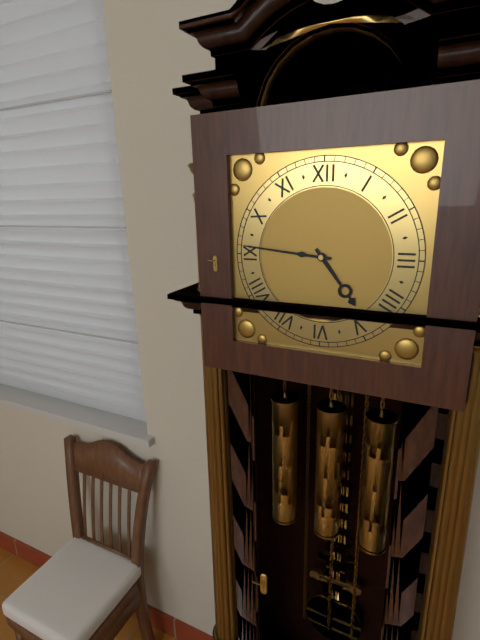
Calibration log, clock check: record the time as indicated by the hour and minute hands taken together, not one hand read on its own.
4:46
